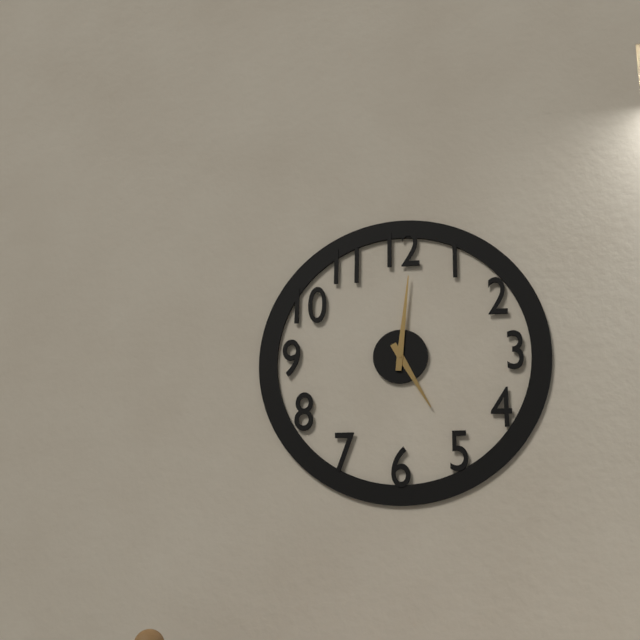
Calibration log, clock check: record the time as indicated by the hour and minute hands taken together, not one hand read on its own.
5:01
